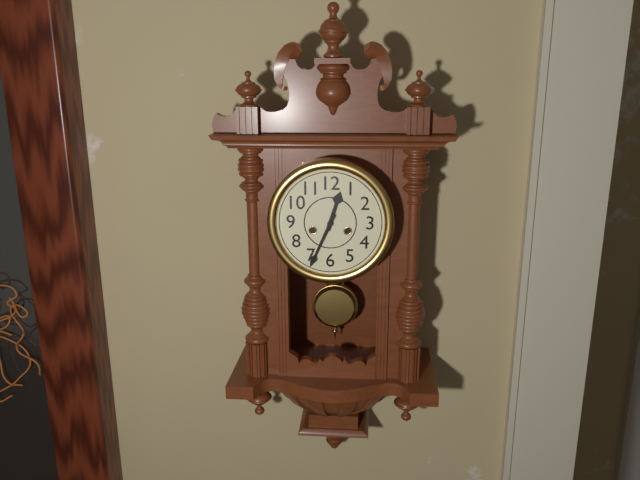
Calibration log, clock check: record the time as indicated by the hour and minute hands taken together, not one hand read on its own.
12:34
